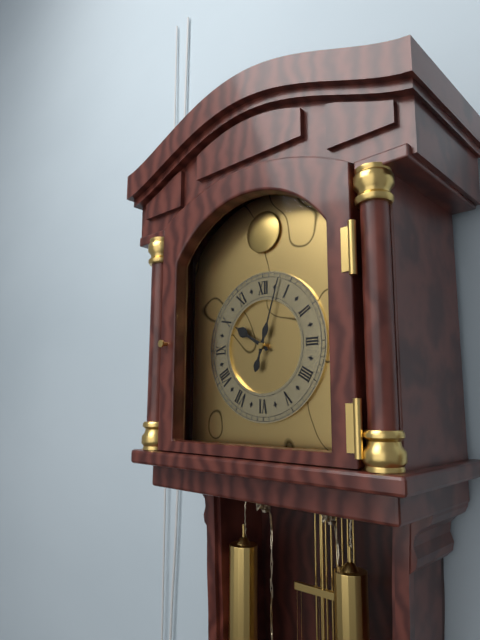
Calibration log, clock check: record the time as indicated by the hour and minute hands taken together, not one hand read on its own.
10:03
